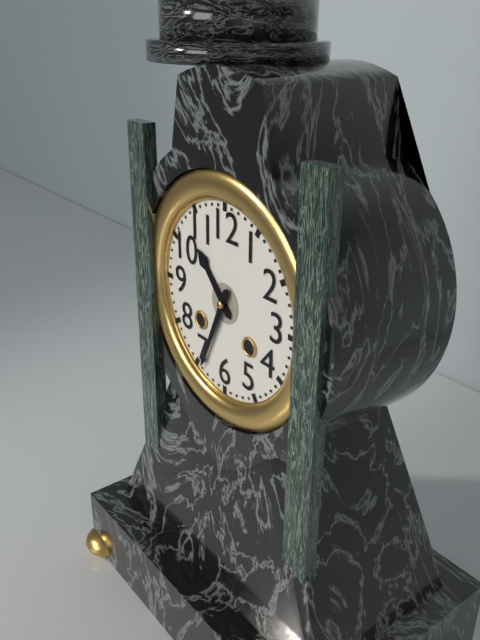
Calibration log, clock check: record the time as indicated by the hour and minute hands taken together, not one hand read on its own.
10:34
